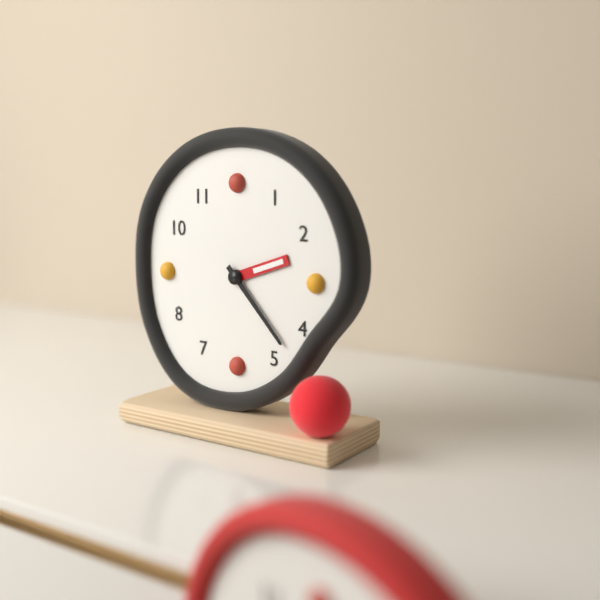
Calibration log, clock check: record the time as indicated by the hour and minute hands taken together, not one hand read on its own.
2:23
